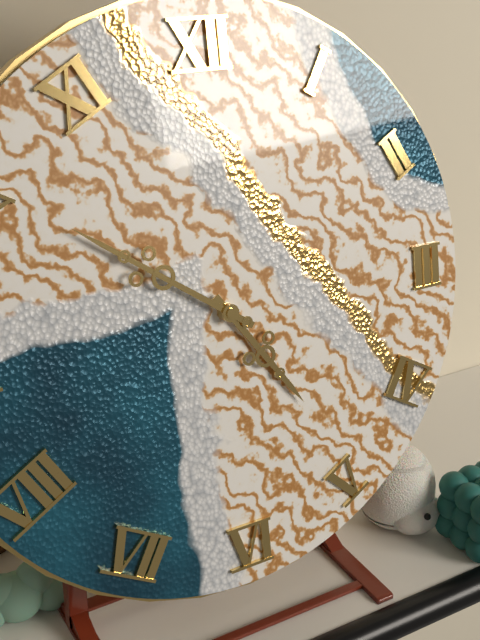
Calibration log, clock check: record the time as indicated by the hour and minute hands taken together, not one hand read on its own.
4:51
